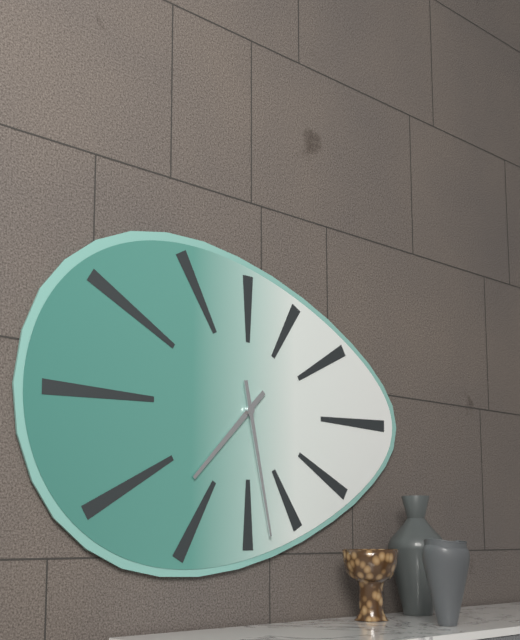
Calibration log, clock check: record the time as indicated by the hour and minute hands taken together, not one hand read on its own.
7:28
